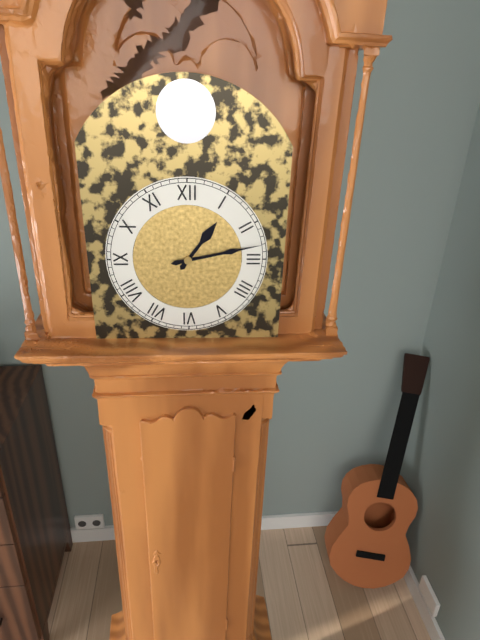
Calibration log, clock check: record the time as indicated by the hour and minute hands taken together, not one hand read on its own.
1:13
